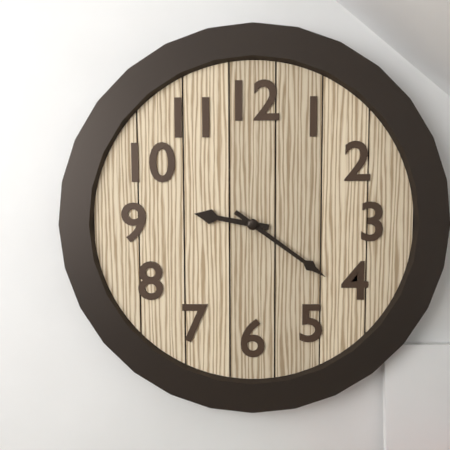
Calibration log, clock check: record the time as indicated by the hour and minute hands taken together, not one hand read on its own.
9:21
